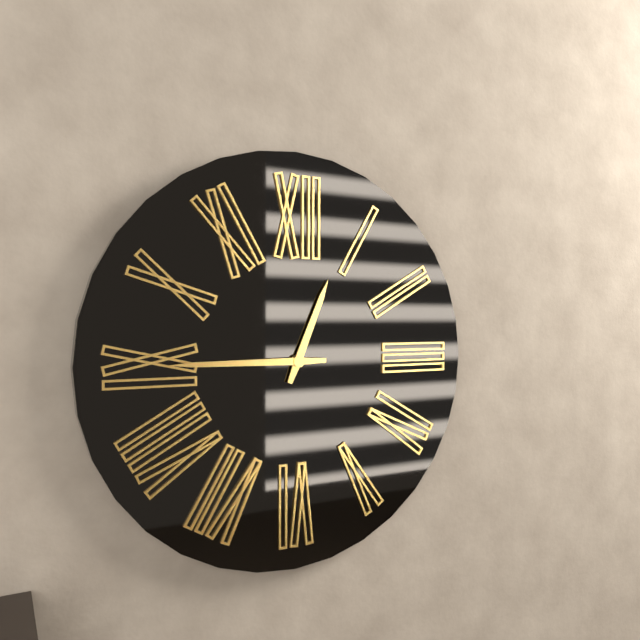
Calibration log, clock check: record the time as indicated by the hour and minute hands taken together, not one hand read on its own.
12:45
